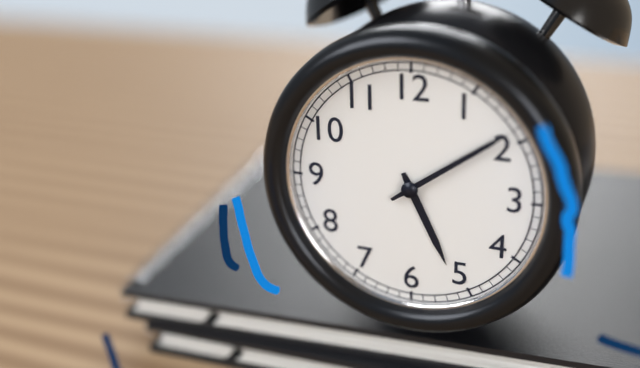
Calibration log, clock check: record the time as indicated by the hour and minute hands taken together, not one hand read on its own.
5:09
